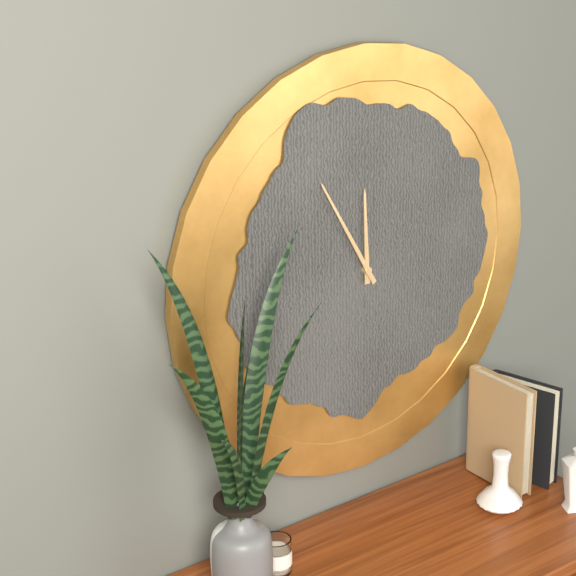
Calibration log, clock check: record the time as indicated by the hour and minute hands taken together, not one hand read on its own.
11:55
